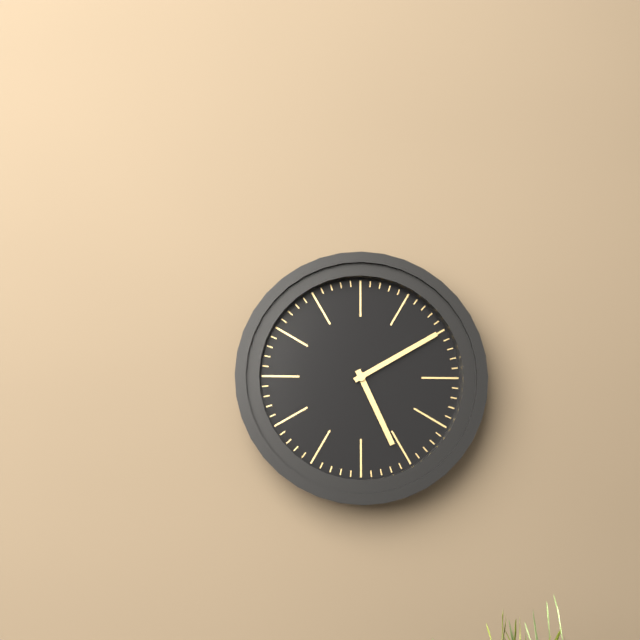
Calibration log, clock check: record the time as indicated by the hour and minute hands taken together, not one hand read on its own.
5:10
